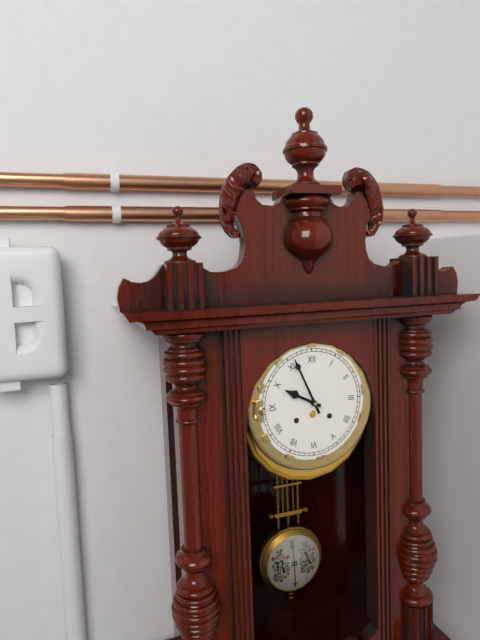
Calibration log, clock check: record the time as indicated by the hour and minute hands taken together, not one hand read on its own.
9:56
